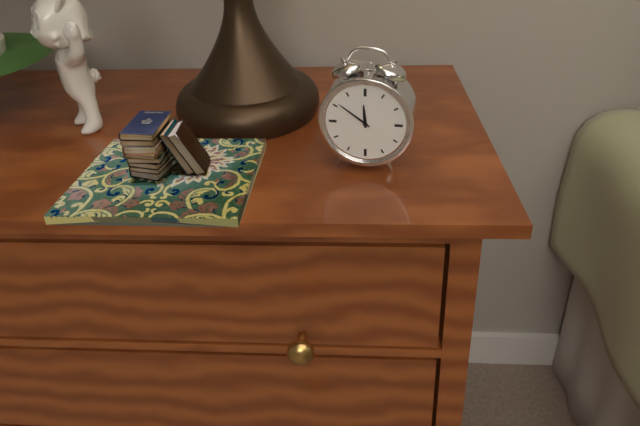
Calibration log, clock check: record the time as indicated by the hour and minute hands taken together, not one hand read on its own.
11:51
